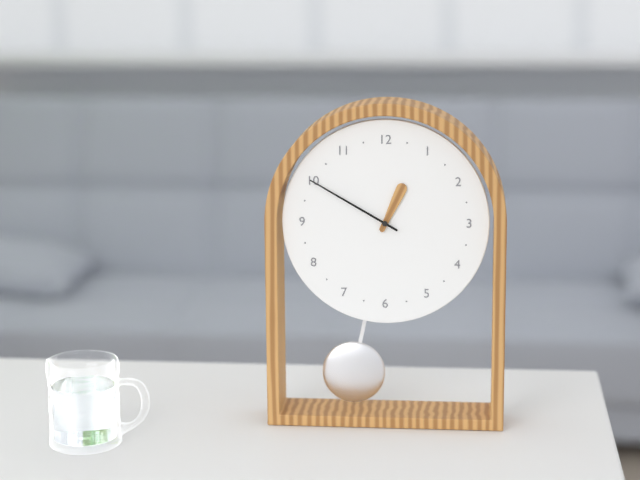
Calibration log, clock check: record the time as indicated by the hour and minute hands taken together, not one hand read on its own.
12:50
